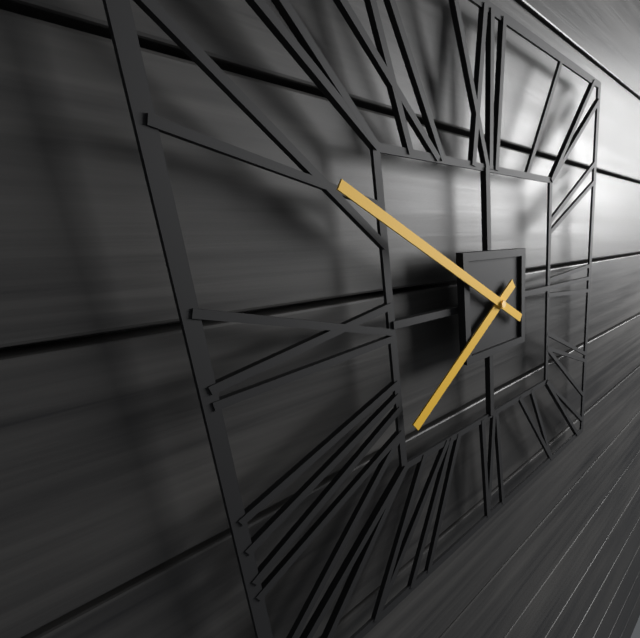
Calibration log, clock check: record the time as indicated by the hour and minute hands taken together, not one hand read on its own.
7:50
